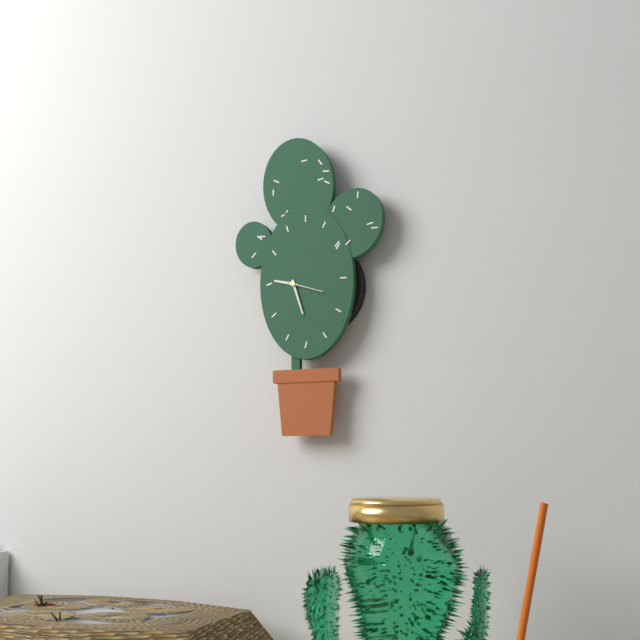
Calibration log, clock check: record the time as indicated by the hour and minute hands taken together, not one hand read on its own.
9:27
